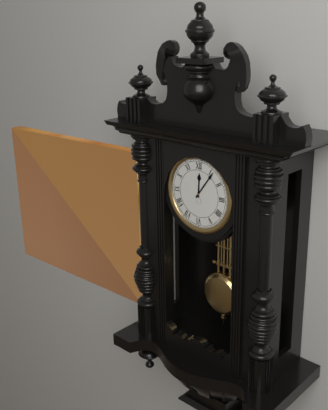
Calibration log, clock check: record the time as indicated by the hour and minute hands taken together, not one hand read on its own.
12:06
